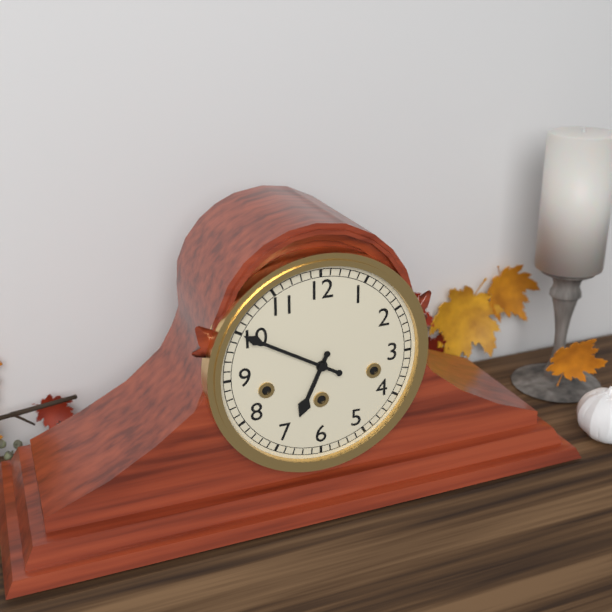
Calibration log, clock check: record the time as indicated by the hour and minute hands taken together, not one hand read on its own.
6:50
